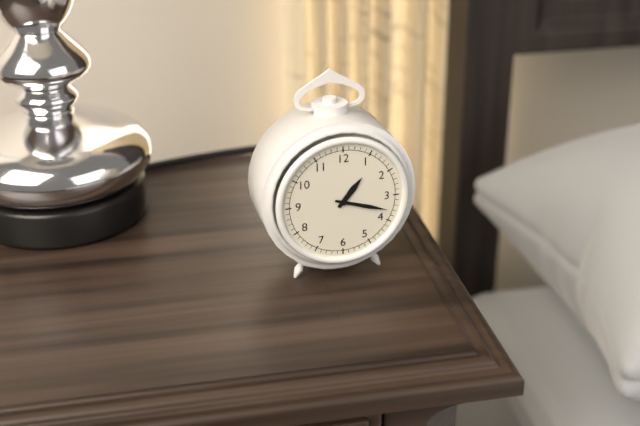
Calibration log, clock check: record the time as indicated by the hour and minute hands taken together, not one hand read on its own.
1:18
